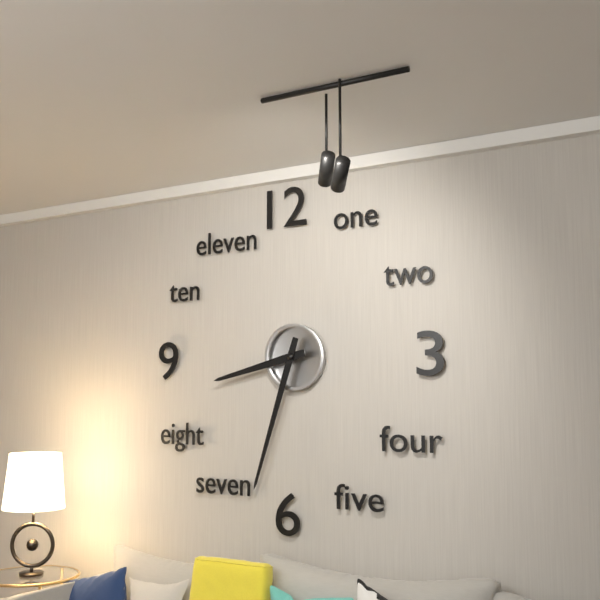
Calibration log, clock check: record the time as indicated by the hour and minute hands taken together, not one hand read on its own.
8:33
